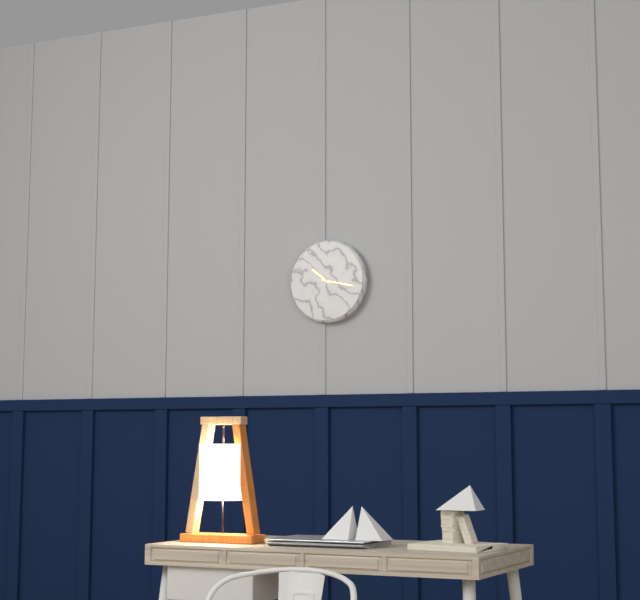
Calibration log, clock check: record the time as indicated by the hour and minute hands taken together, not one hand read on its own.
10:17
